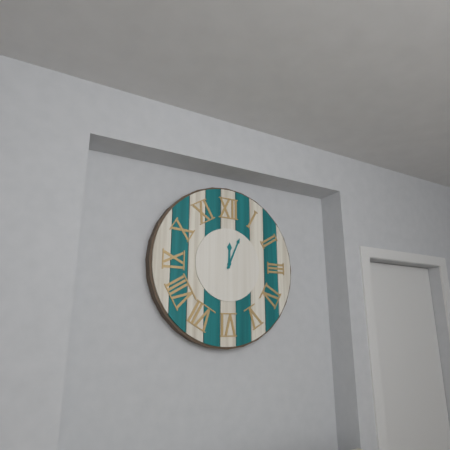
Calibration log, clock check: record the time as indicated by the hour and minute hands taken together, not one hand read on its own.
12:04
